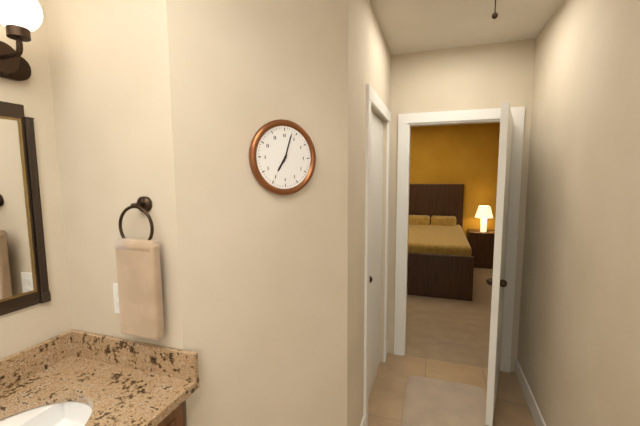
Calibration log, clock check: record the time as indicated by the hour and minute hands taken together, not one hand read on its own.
7:03
